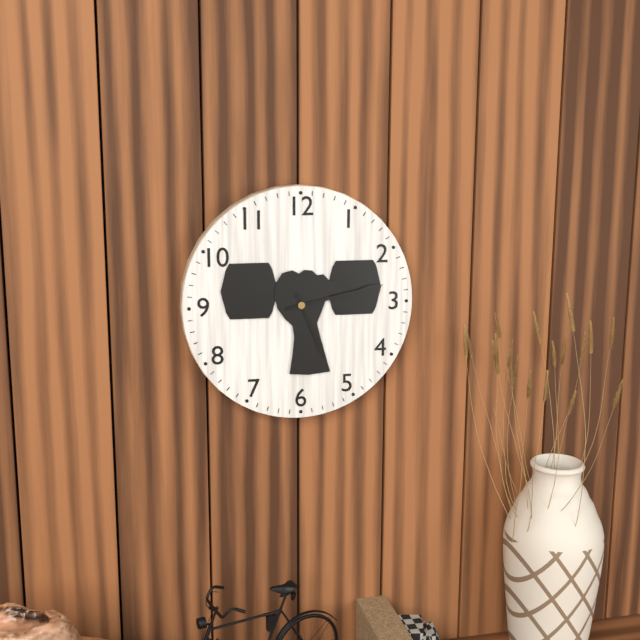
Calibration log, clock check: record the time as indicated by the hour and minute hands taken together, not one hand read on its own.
5:13
